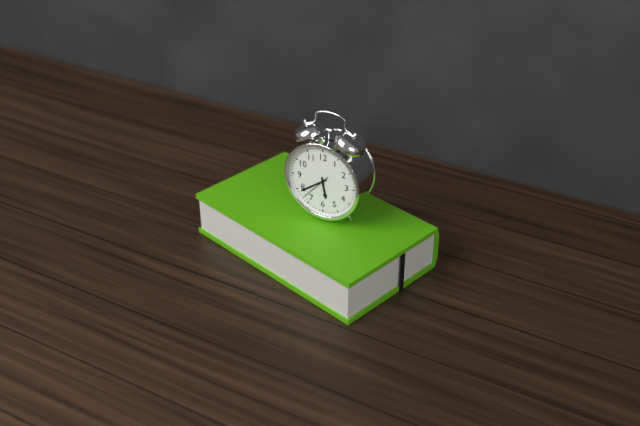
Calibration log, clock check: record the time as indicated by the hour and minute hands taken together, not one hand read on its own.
5:39
